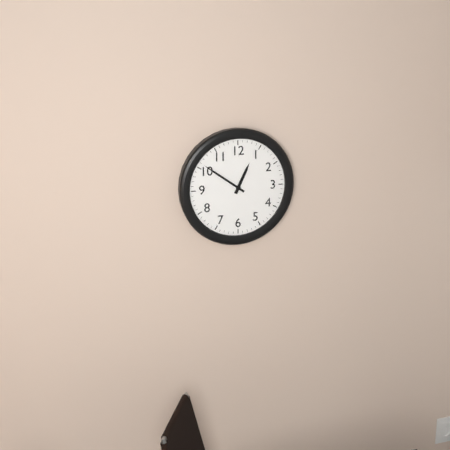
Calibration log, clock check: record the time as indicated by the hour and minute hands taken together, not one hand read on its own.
12:51
